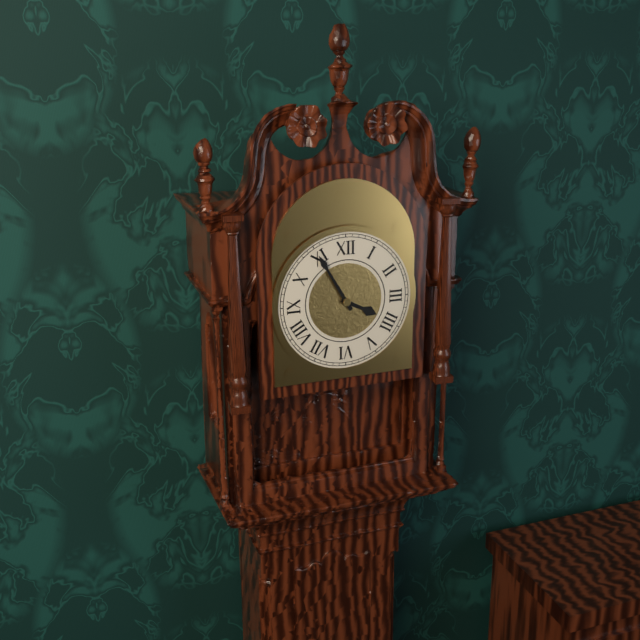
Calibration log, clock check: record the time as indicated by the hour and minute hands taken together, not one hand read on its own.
3:55
